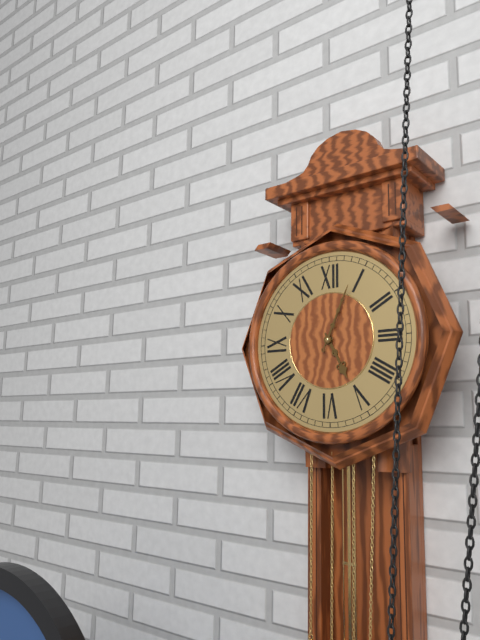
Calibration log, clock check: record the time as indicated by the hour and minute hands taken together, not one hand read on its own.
5:04
